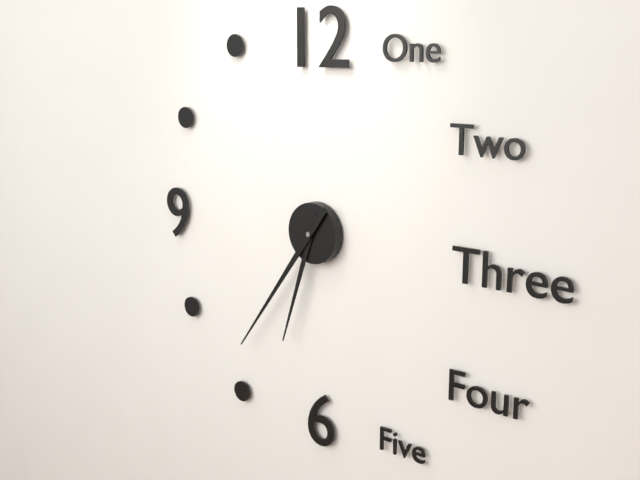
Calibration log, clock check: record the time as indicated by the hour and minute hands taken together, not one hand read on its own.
6:36
